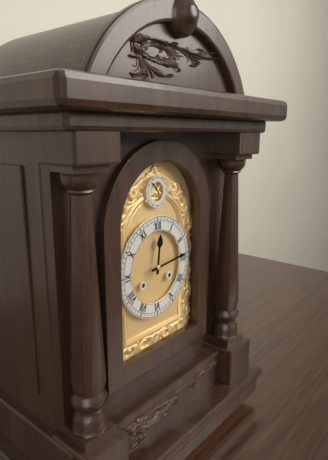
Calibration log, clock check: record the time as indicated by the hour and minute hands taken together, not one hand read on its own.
12:14
